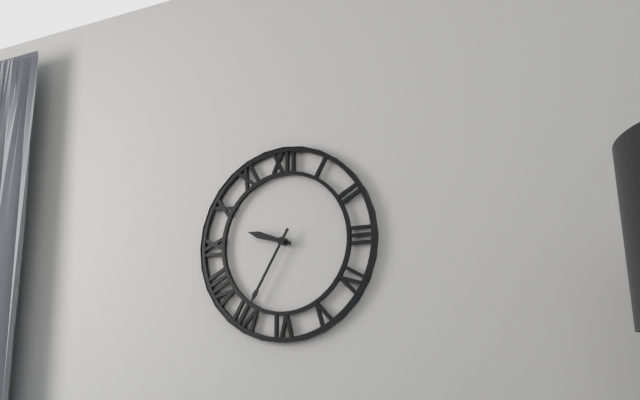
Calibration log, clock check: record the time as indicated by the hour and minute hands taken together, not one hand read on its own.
9:35
